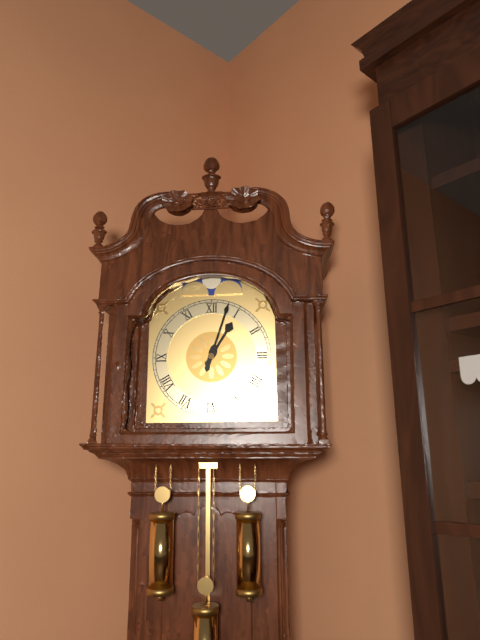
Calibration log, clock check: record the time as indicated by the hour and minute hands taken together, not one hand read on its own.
1:03
